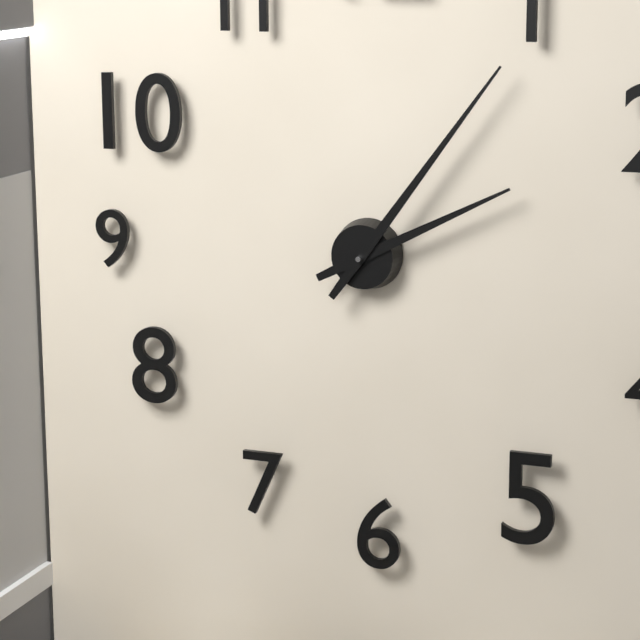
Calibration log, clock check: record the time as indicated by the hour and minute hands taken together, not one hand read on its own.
2:06
